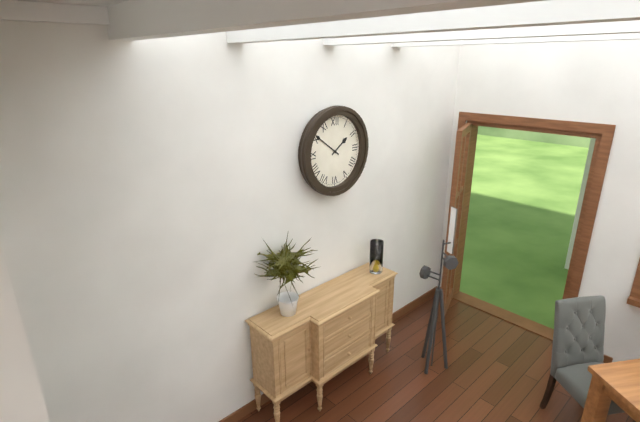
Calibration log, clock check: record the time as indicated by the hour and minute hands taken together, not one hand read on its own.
1:51
